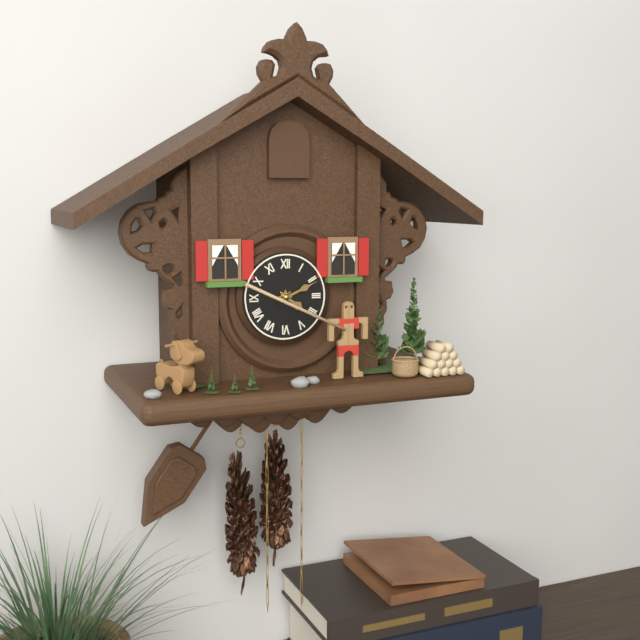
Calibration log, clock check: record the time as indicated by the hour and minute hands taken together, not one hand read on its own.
4:11
